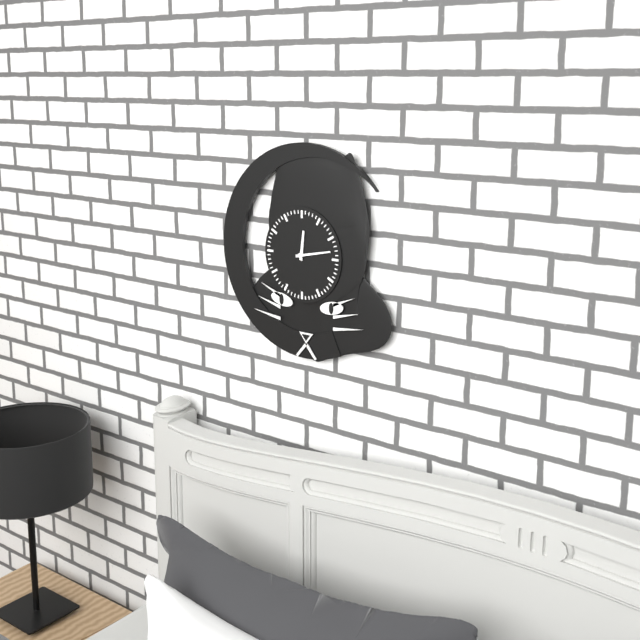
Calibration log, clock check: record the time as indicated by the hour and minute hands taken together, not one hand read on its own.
12:13
